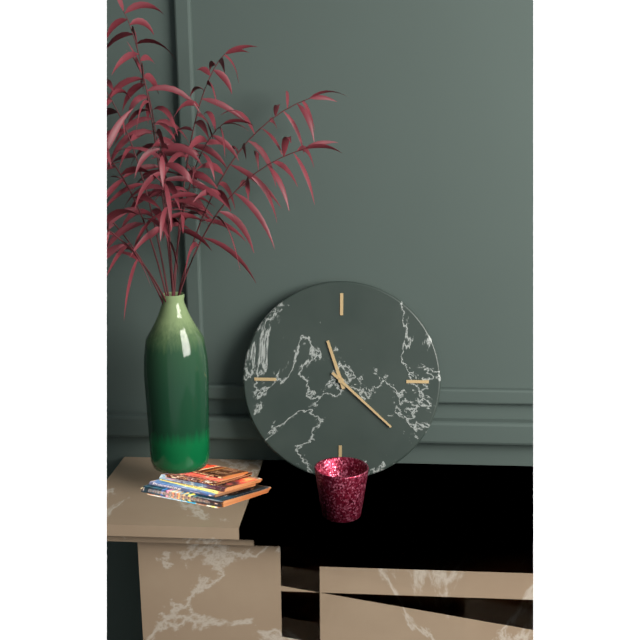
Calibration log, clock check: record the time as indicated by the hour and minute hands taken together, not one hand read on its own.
11:22
